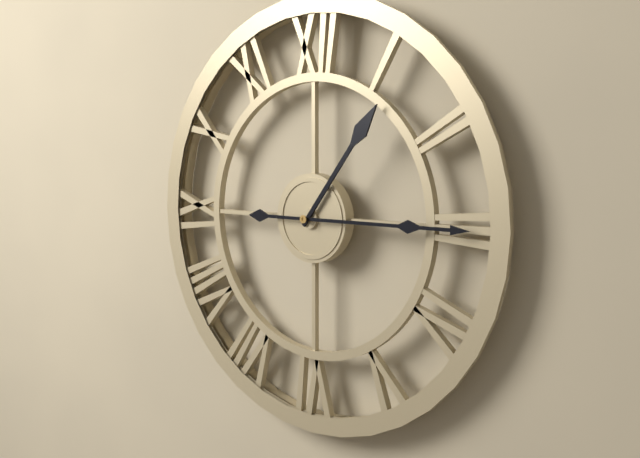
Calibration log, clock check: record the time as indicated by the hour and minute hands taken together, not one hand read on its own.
1:15
